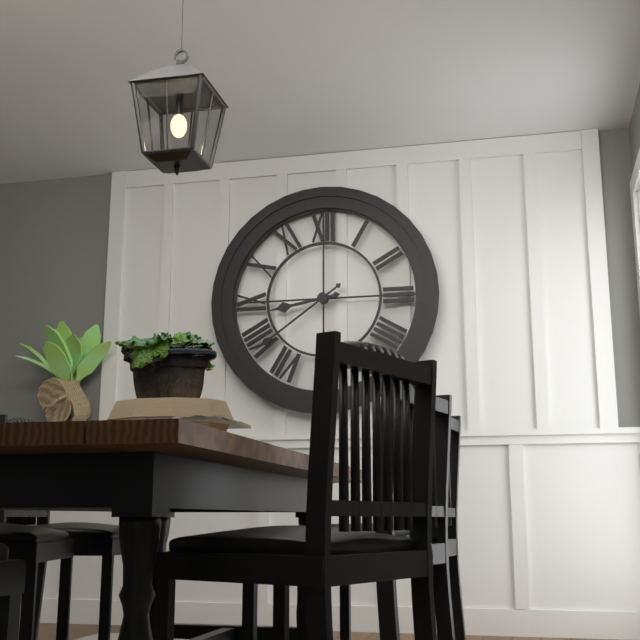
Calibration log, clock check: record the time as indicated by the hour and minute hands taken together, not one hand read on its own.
8:39
